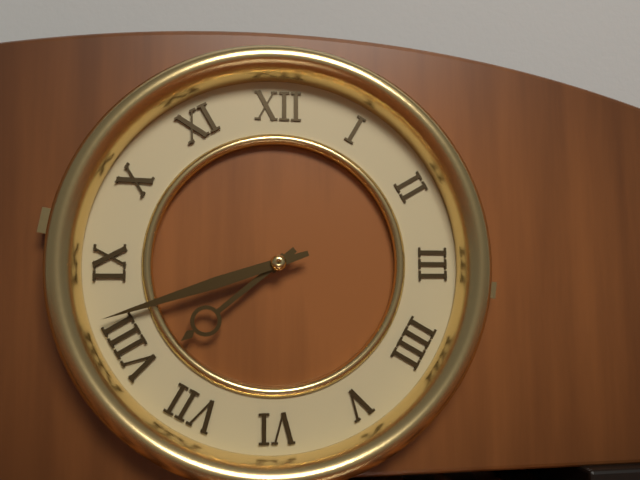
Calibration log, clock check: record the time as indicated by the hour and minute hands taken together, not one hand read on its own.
7:42
